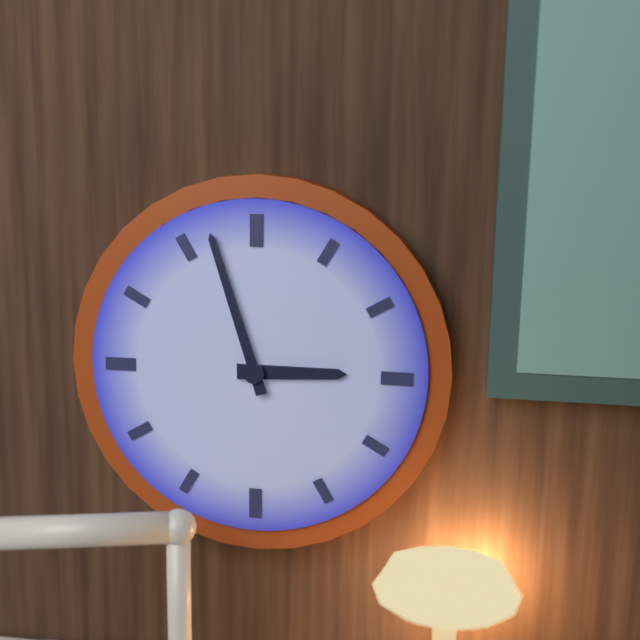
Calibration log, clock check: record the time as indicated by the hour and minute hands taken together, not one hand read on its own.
2:57
